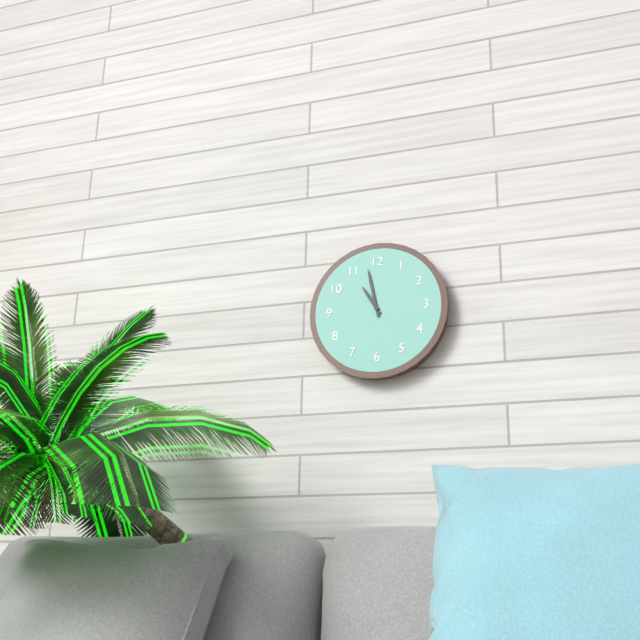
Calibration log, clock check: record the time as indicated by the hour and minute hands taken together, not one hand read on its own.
10:58
